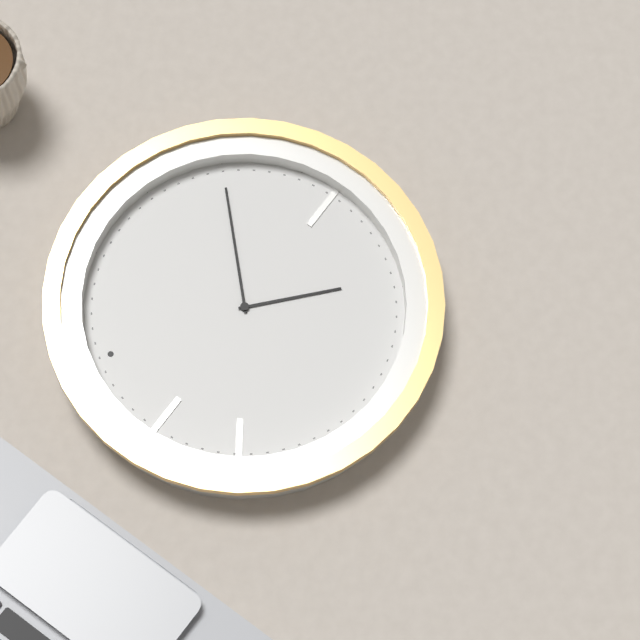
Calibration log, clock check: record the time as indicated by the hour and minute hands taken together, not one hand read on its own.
6:17
